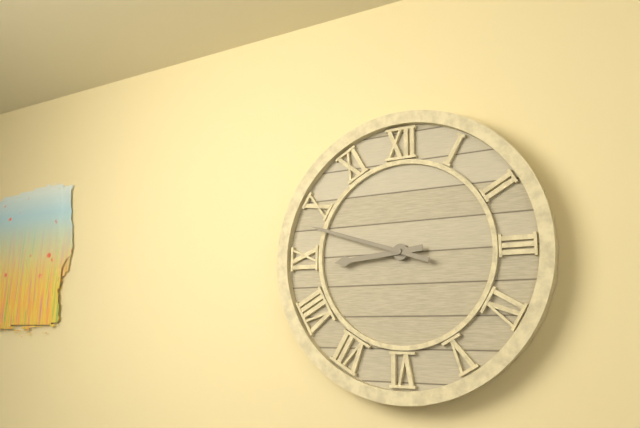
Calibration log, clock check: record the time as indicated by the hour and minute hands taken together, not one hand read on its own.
8:48
